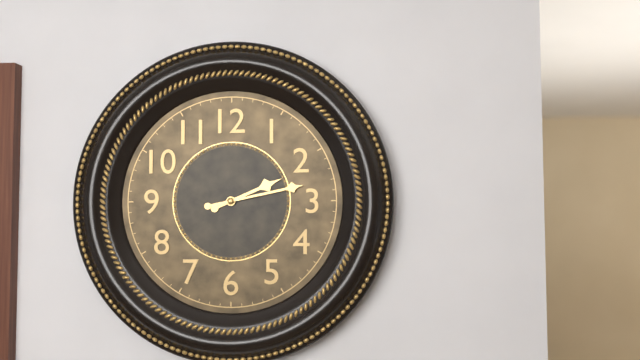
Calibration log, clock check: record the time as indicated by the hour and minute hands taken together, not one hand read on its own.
2:13
